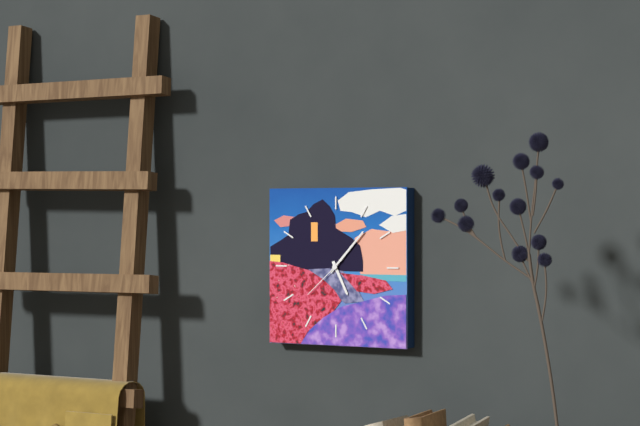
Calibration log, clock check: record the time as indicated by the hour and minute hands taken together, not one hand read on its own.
5:07
